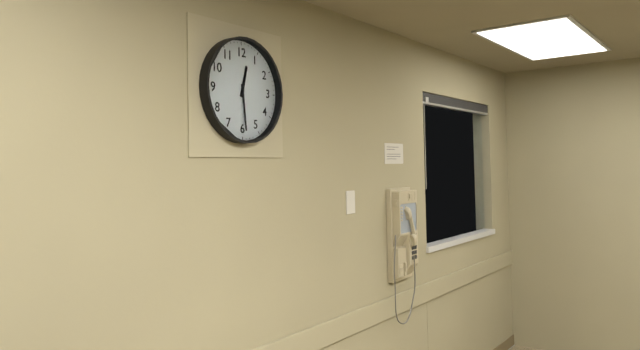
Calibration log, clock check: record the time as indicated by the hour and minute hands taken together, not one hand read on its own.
12:29
